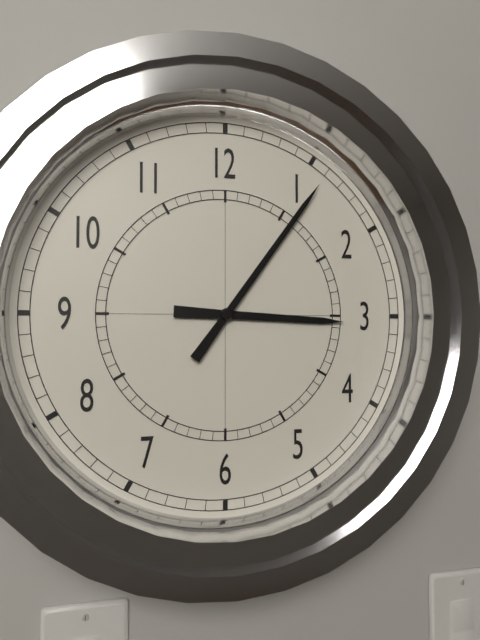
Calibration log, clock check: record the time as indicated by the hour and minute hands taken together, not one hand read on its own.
3:06
